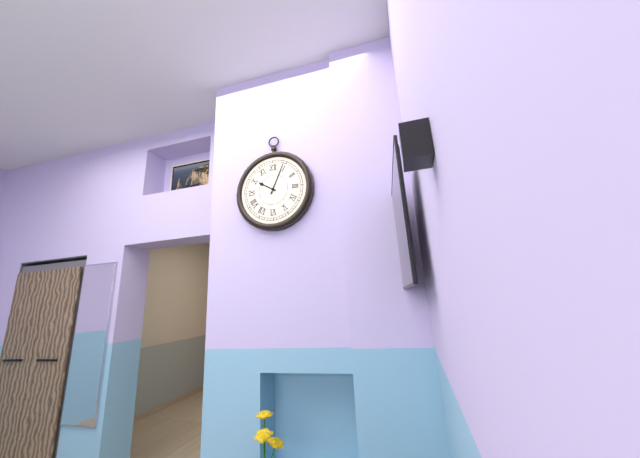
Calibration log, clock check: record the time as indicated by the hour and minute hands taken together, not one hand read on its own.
10:04
